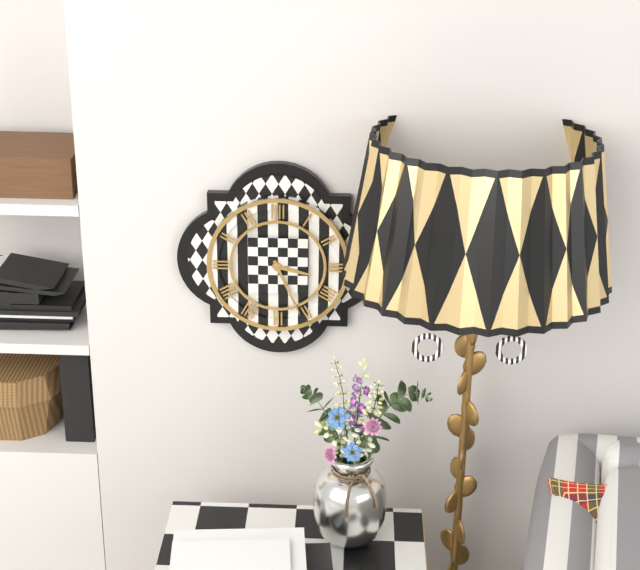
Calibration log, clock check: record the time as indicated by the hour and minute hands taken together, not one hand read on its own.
3:26
